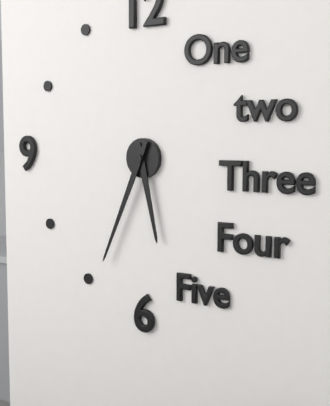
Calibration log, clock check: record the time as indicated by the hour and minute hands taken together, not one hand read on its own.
5:34
